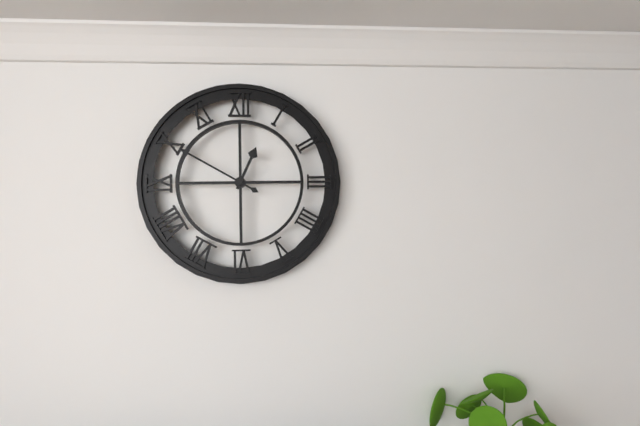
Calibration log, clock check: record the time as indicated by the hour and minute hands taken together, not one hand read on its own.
12:50
